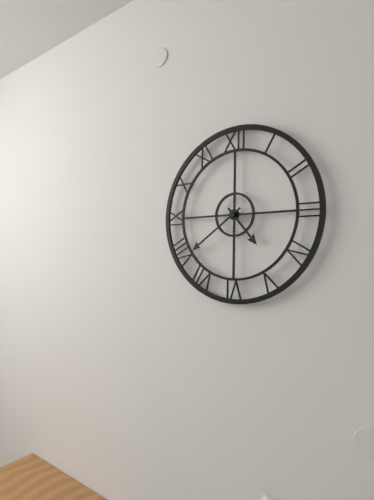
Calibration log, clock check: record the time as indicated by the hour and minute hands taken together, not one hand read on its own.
4:39
